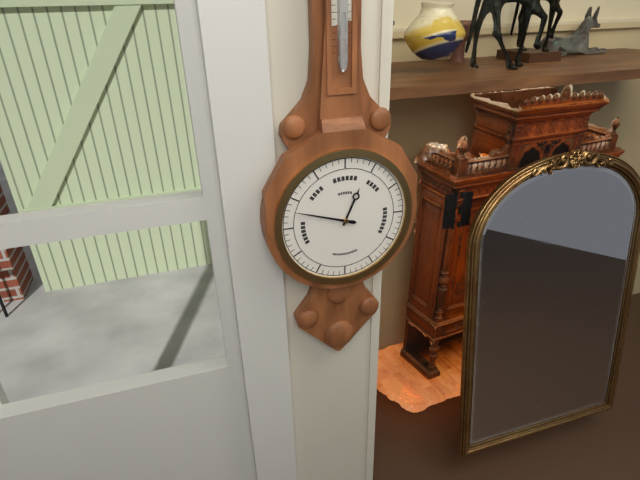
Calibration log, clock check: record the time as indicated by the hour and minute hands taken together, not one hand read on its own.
12:48
